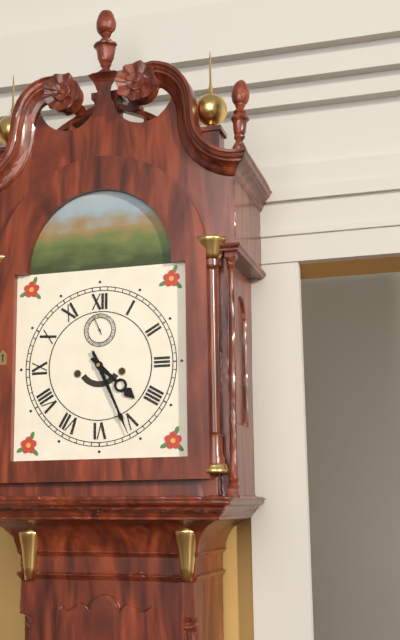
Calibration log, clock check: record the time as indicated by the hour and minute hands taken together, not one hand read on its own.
4:26
